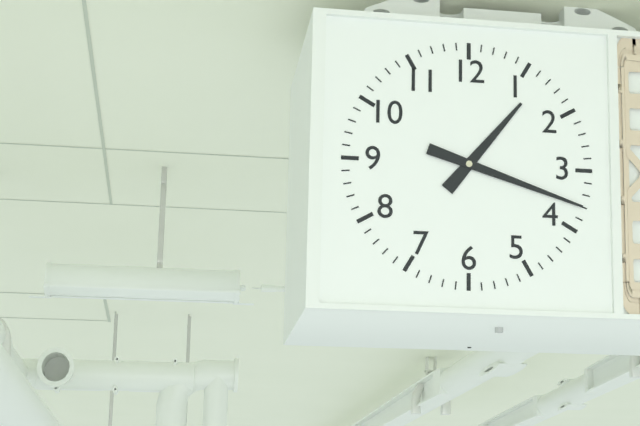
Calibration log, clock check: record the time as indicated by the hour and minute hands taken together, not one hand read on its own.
1:18
